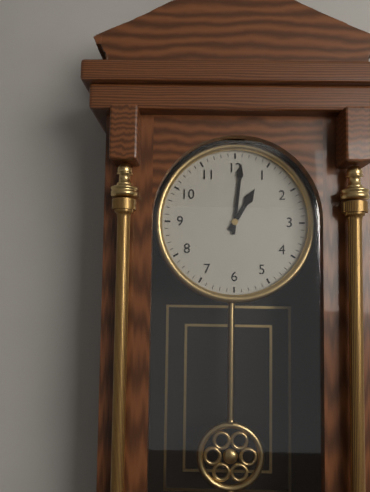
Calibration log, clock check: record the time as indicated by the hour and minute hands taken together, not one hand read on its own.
1:01
